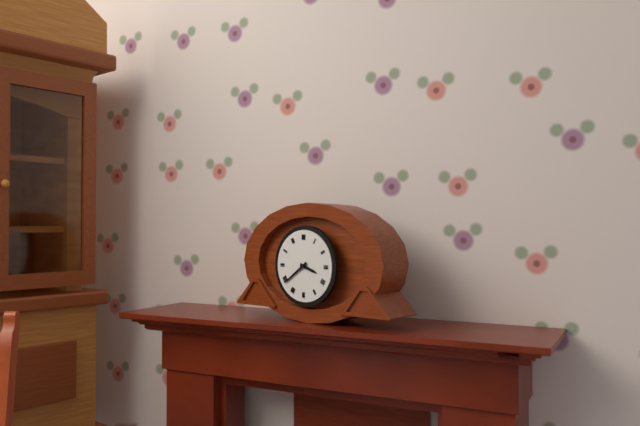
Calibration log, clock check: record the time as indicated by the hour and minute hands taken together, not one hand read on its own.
3:39
